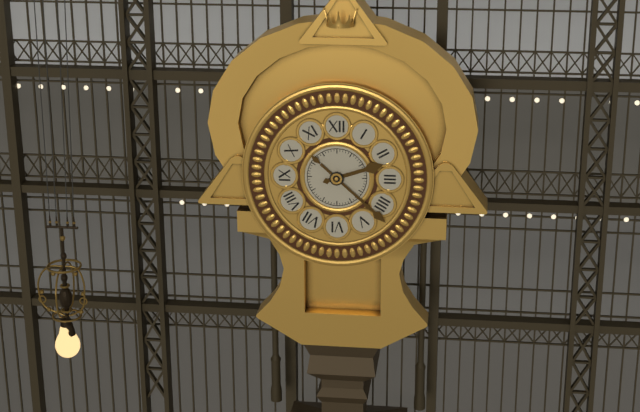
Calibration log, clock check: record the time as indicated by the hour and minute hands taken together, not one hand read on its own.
2:22
